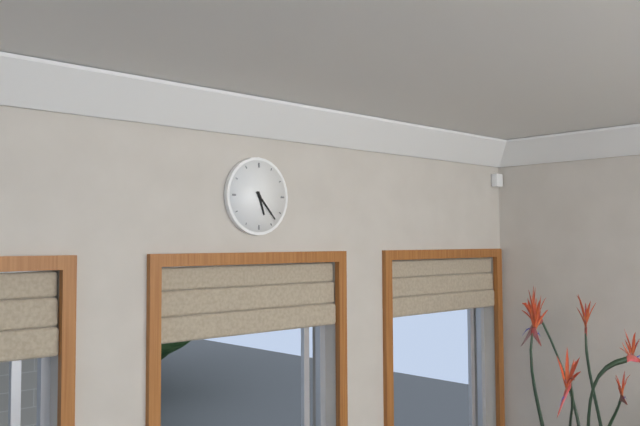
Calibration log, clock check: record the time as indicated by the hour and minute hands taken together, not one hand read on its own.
5:23
